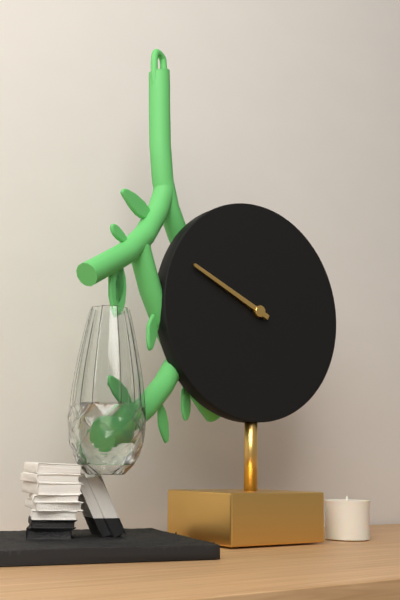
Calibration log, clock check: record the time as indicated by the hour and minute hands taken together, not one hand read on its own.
9:49
